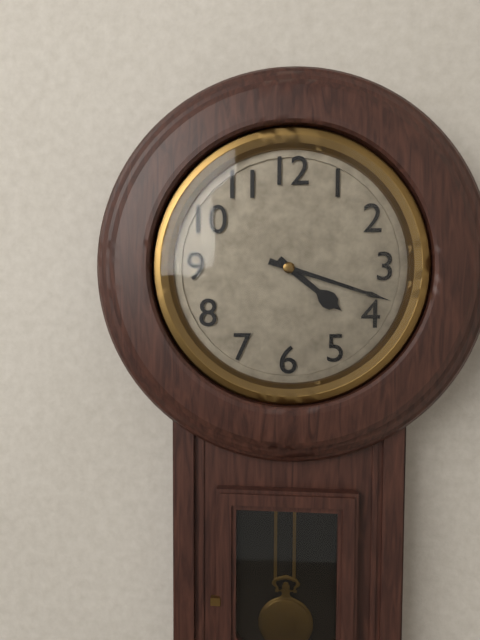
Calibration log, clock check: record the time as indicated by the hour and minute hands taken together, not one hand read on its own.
4:18
